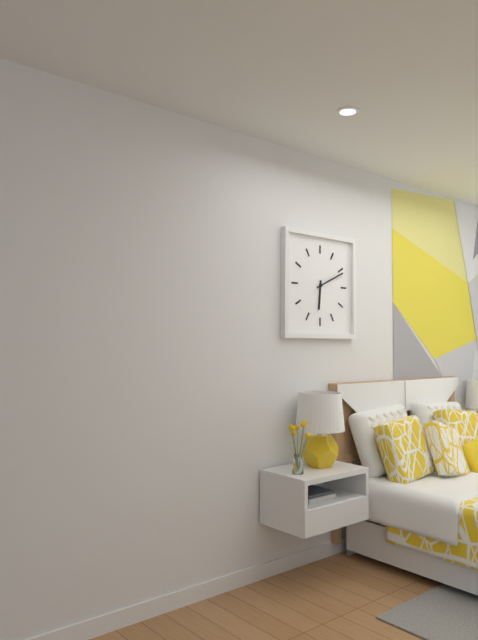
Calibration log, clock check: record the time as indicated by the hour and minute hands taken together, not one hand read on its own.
6:11
